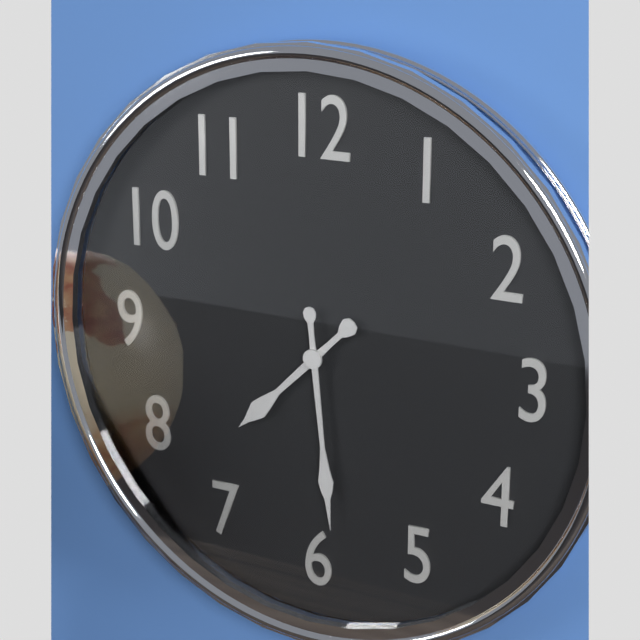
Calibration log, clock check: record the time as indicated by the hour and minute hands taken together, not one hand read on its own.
7:29
